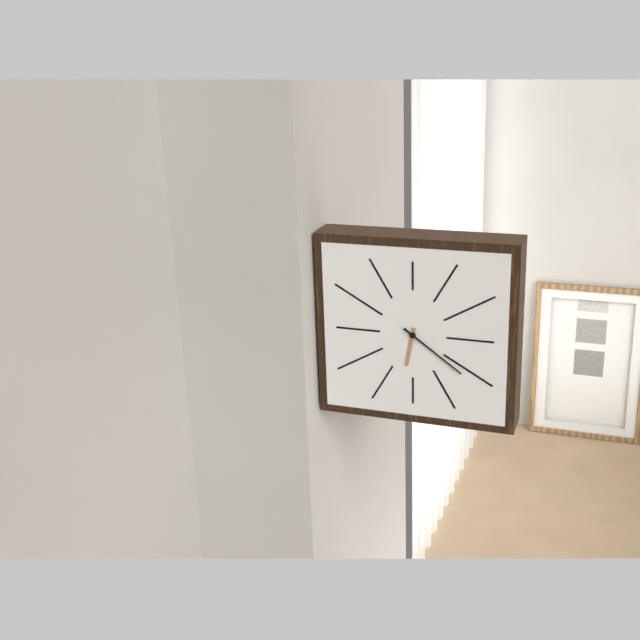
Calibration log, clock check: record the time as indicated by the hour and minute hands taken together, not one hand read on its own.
6:21
